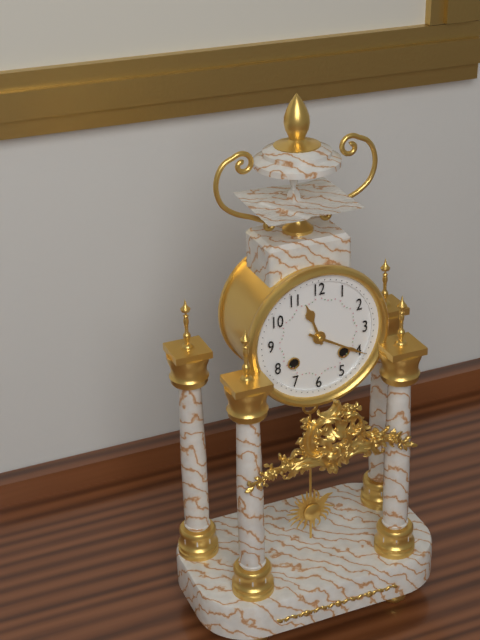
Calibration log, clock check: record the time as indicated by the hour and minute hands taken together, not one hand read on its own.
11:20
